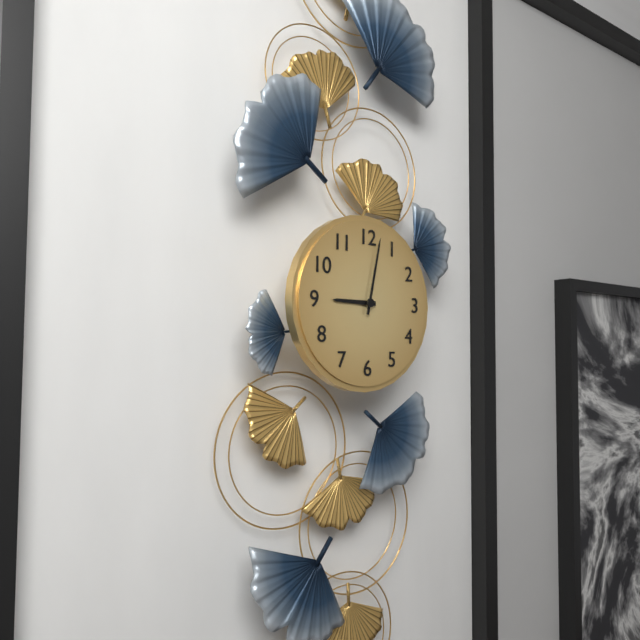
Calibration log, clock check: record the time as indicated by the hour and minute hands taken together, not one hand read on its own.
9:02
